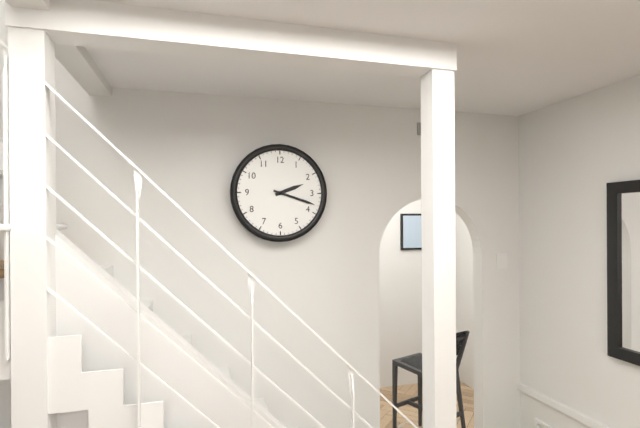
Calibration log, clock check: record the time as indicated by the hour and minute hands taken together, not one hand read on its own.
2:18
